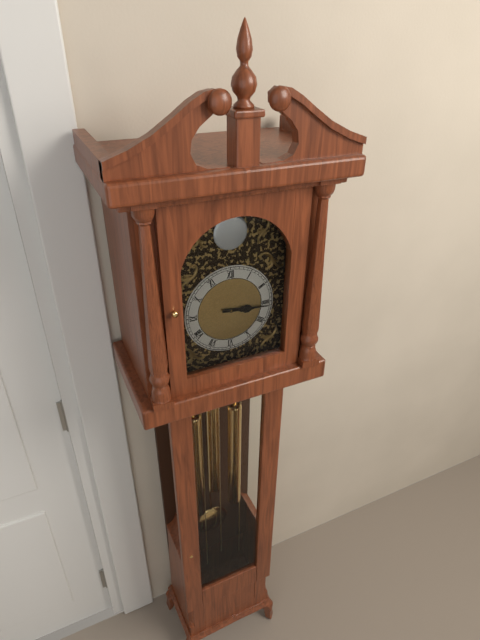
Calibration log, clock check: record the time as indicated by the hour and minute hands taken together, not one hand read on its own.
3:16
